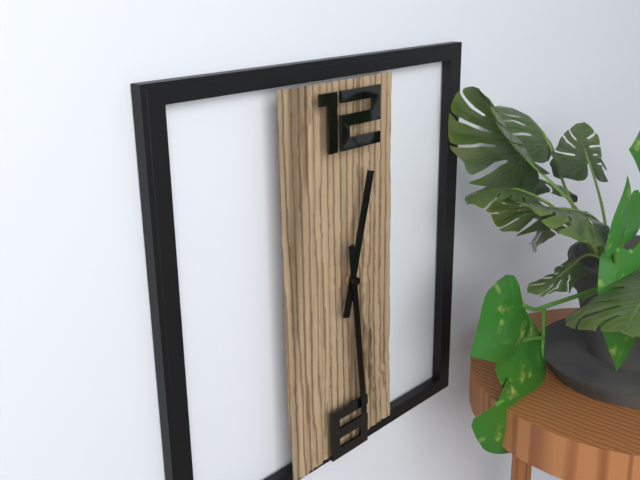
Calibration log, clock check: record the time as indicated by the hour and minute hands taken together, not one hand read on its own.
12:29
